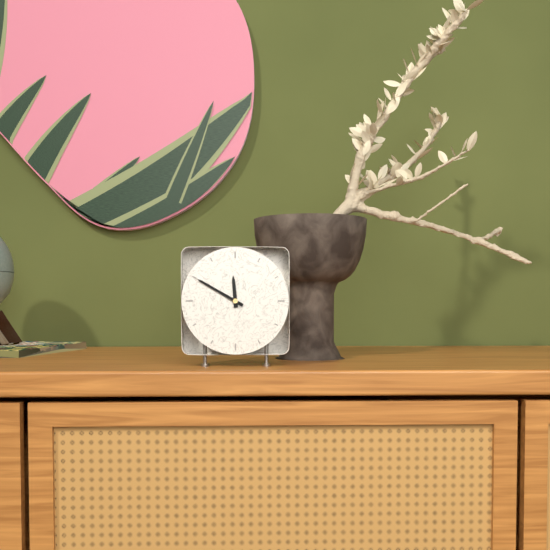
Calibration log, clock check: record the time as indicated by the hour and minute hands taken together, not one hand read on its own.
11:50
